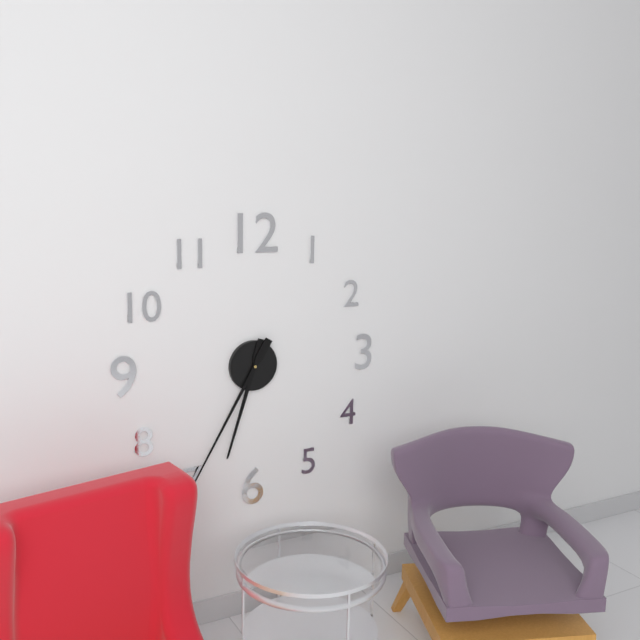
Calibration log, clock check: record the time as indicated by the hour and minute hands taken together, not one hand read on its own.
6:35
